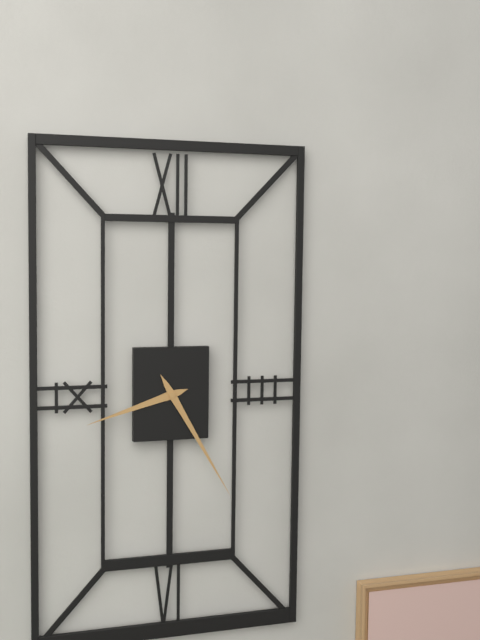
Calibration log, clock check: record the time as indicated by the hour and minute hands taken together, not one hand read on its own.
8:25
